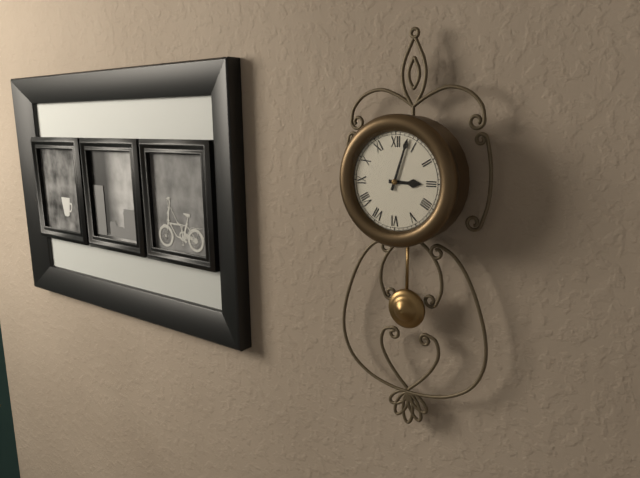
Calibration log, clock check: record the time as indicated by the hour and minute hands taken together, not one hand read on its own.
3:03
